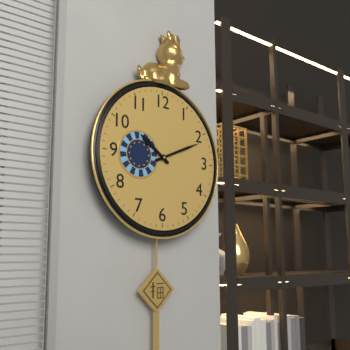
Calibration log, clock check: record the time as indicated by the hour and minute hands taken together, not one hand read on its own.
10:11
